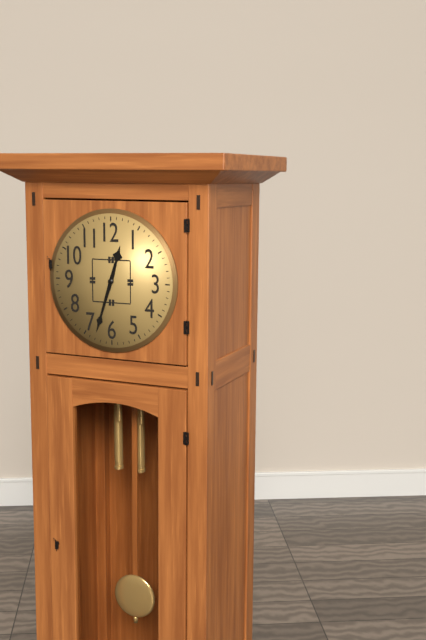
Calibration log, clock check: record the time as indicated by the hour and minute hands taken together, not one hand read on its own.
12:33
